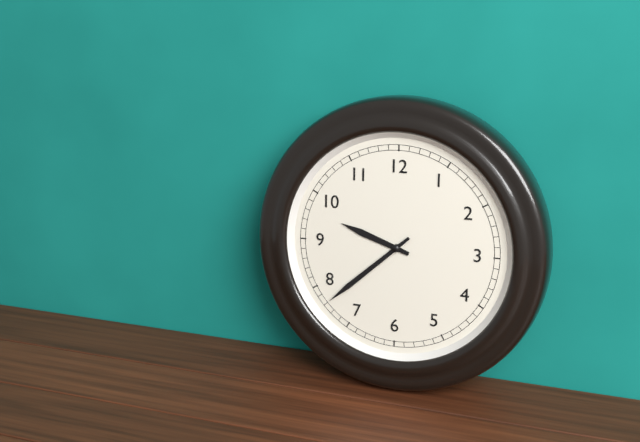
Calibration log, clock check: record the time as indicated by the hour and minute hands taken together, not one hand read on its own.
9:38
